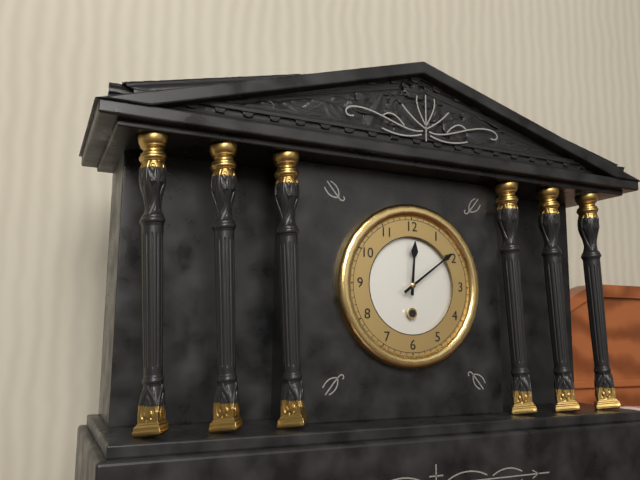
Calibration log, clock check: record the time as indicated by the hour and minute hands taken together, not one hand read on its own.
12:09
